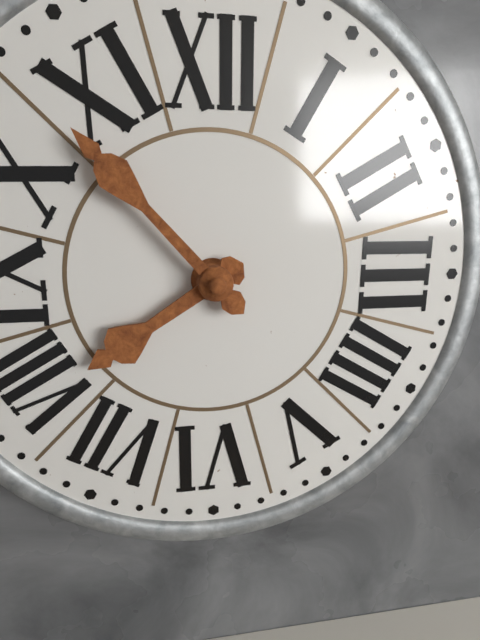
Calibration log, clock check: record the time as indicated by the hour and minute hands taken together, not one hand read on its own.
7:53
